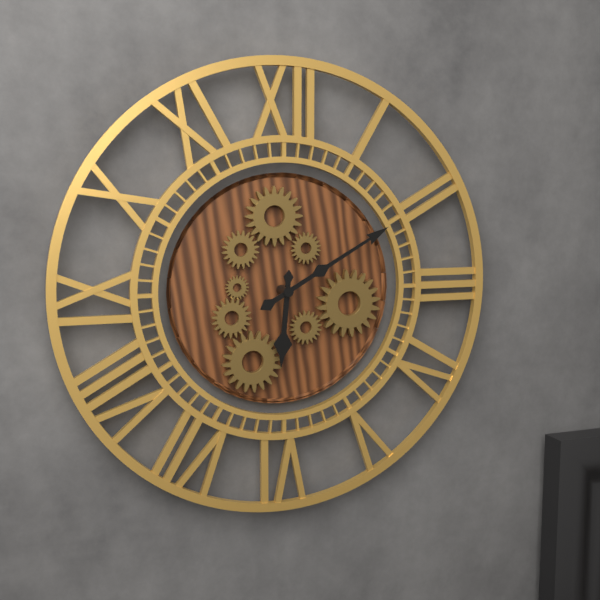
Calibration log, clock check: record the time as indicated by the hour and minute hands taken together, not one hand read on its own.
6:10
